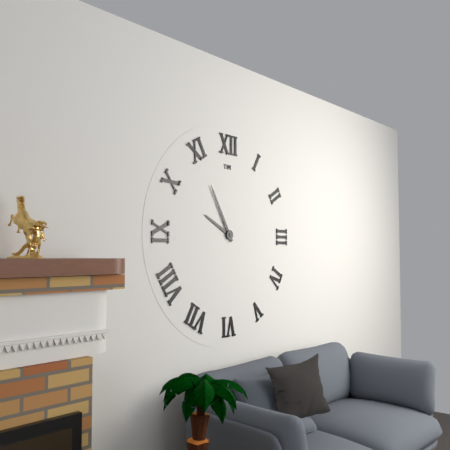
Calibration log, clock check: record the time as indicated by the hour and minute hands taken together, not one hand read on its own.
9:55
